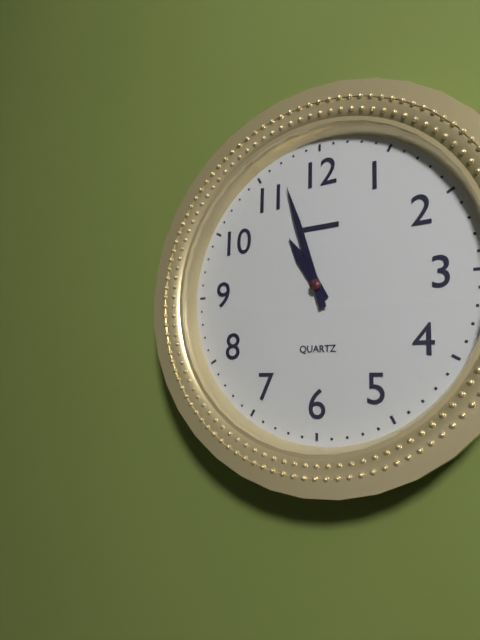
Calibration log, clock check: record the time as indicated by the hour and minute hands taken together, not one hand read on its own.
10:57
